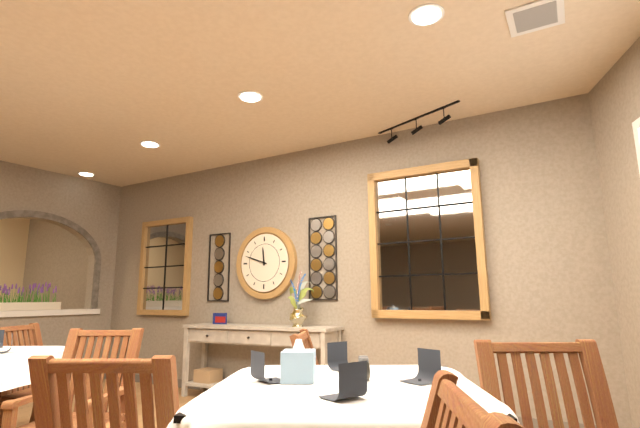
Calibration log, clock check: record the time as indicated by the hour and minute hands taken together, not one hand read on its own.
11:48
